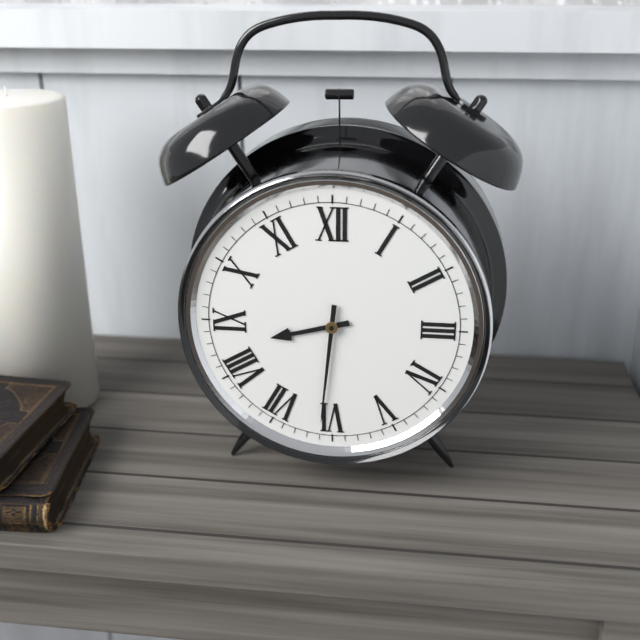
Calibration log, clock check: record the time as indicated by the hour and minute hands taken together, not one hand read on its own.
8:31
